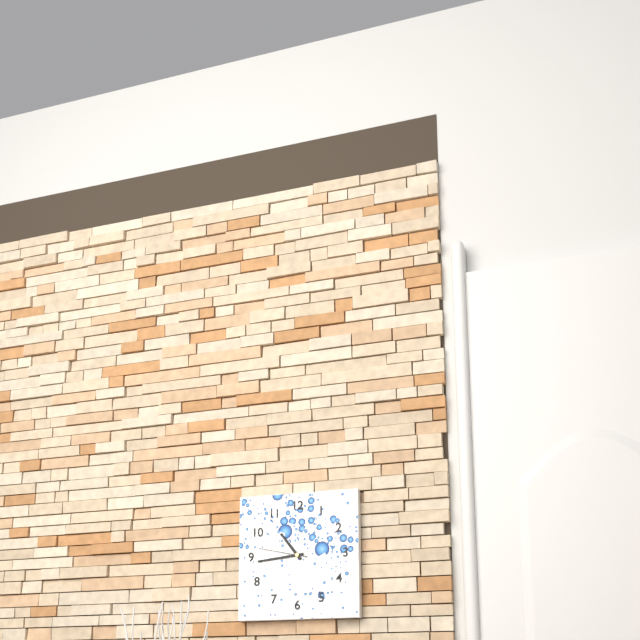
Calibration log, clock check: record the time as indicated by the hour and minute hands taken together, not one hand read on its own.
10:44
